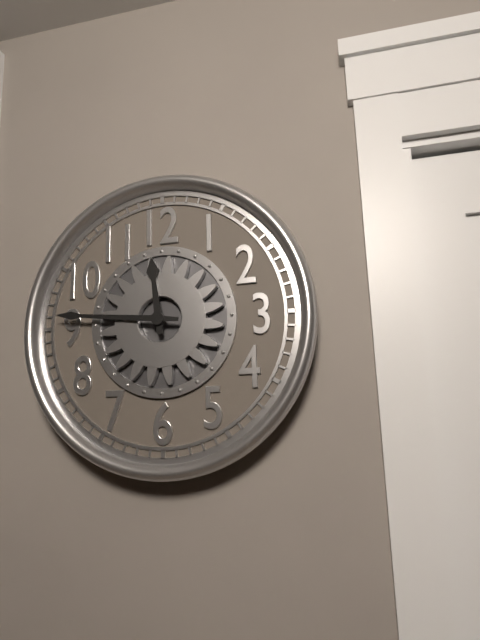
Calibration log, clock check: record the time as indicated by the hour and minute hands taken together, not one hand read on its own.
11:46
